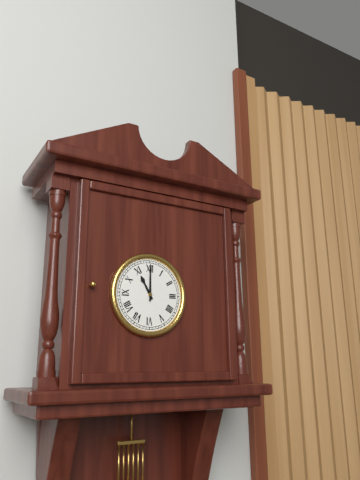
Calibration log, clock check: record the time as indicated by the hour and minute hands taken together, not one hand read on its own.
11:00
